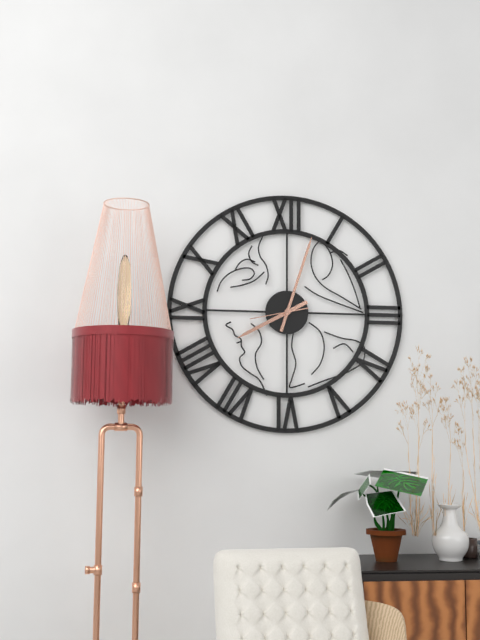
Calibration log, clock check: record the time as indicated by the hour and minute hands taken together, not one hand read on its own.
8:03
